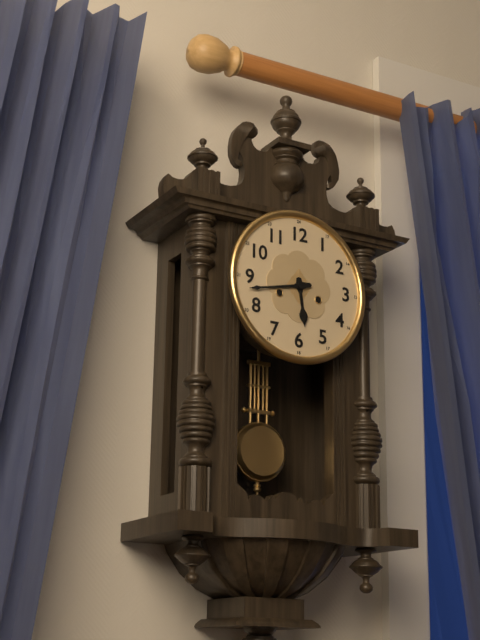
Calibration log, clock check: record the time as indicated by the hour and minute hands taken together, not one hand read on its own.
5:43
